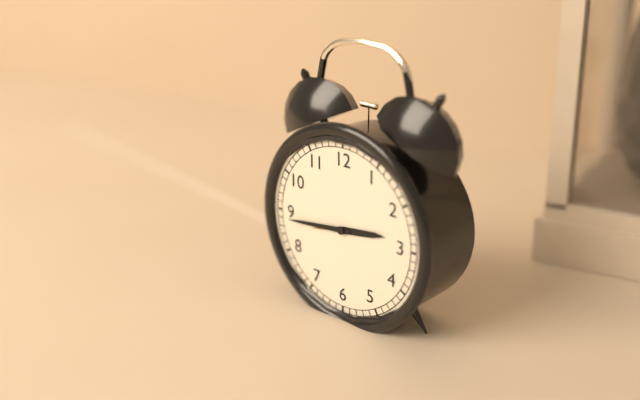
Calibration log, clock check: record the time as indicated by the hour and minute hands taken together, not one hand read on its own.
2:44
